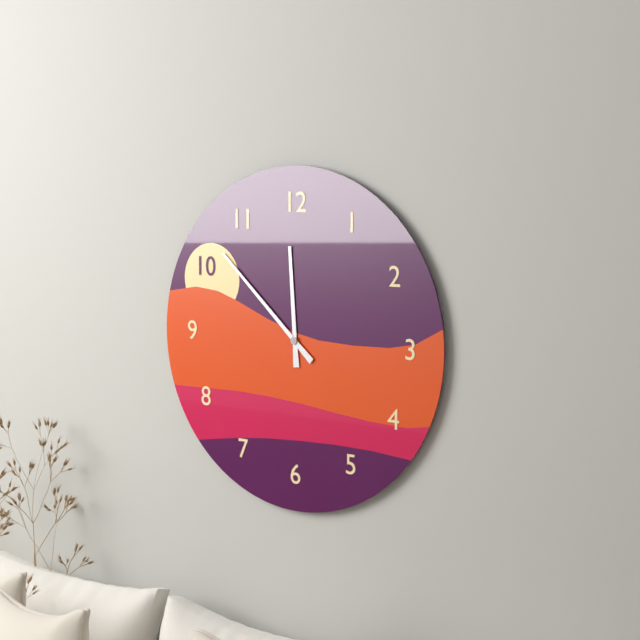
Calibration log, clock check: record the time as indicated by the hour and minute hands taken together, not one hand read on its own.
11:52
